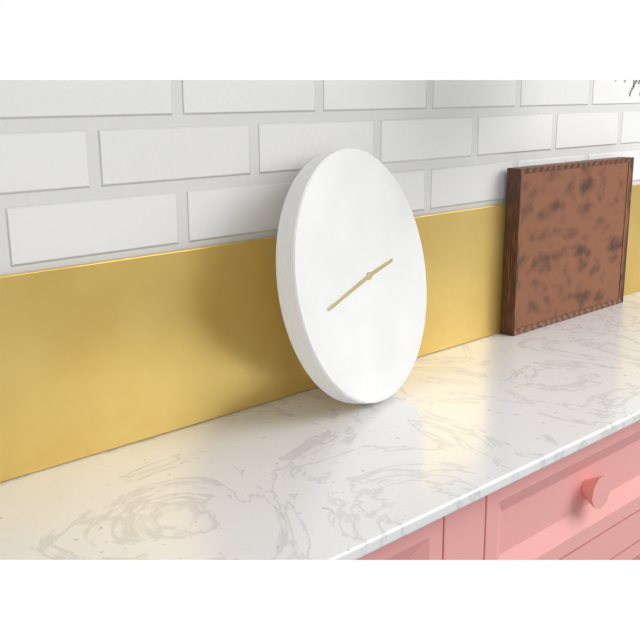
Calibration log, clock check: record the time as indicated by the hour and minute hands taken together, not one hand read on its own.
2:43
